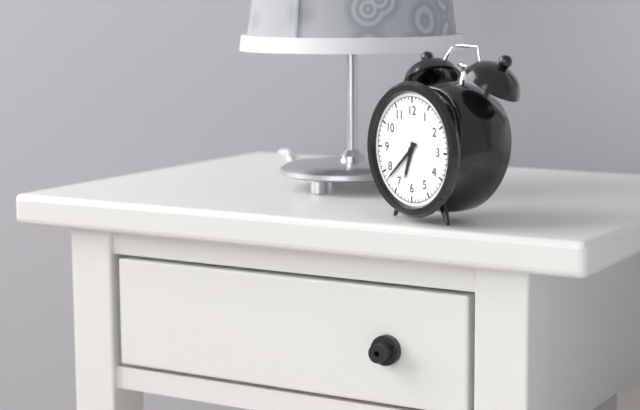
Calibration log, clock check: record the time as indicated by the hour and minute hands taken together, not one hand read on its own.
6:38
